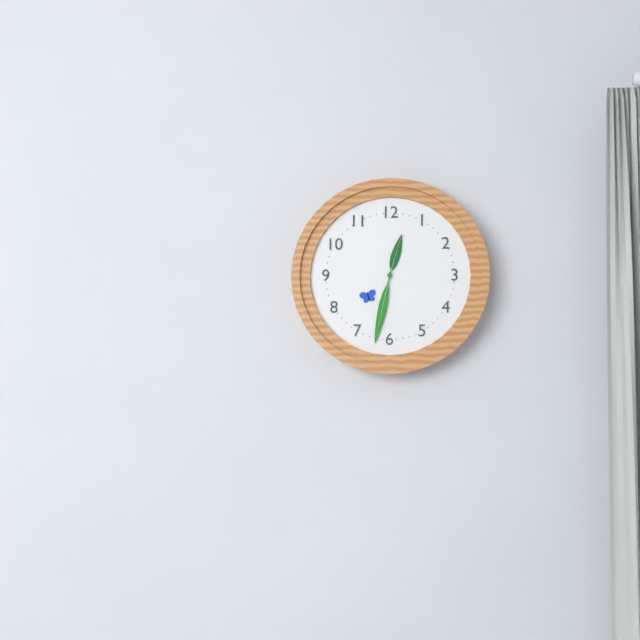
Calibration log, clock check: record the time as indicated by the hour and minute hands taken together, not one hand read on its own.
12:32
